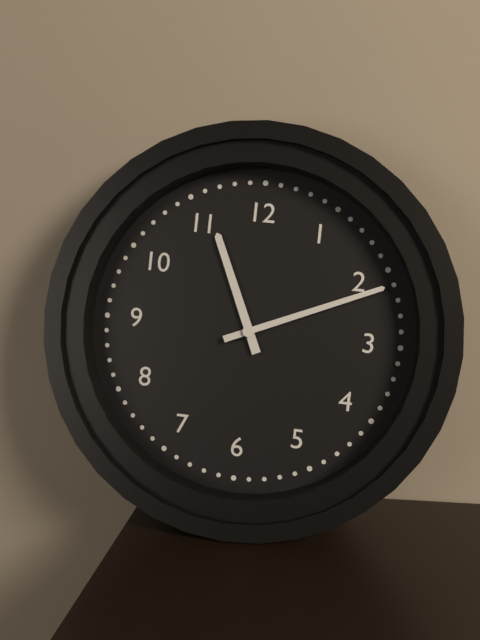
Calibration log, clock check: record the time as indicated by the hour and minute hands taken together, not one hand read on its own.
11:11
